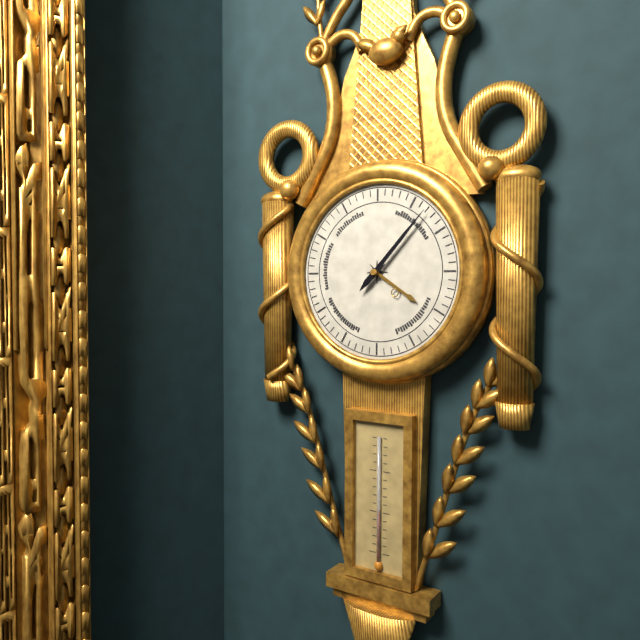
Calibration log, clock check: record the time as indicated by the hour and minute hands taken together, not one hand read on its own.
4:07
